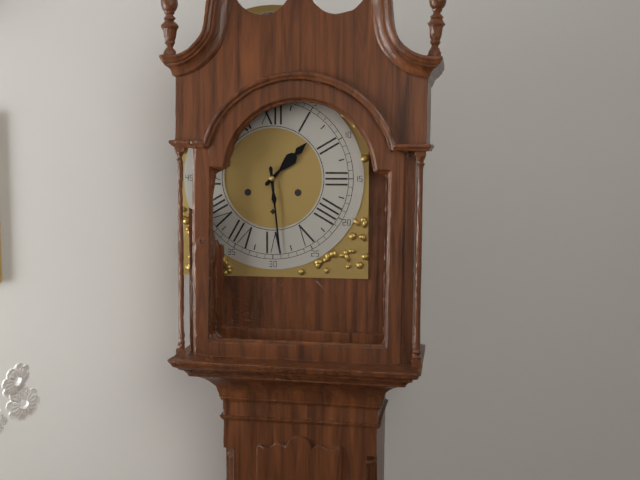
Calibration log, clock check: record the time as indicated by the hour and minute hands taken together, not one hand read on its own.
1:29
